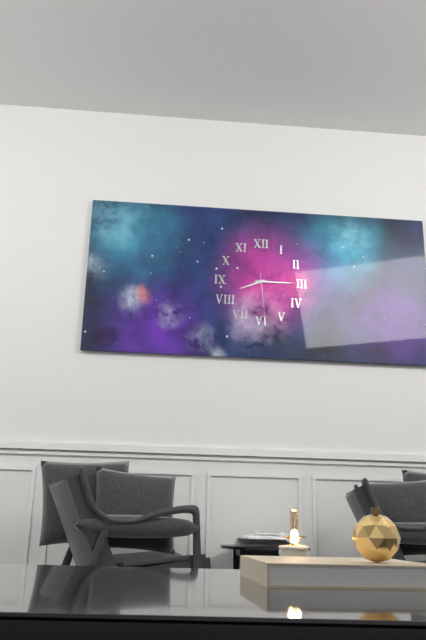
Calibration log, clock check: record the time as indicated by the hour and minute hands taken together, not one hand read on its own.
8:15
